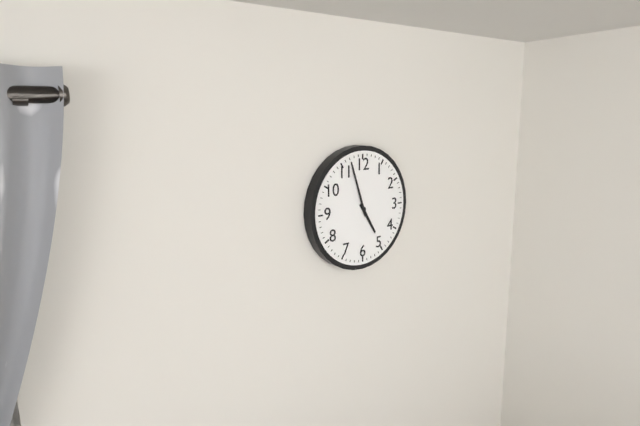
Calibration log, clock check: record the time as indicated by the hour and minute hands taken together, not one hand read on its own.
4:57
